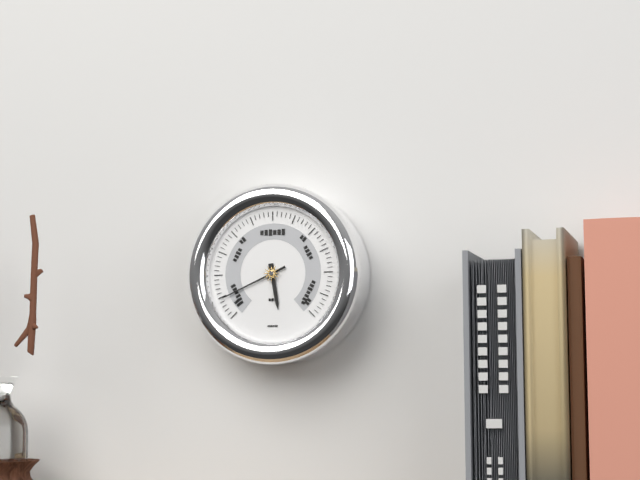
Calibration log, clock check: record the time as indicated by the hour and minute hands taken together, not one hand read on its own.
5:41
